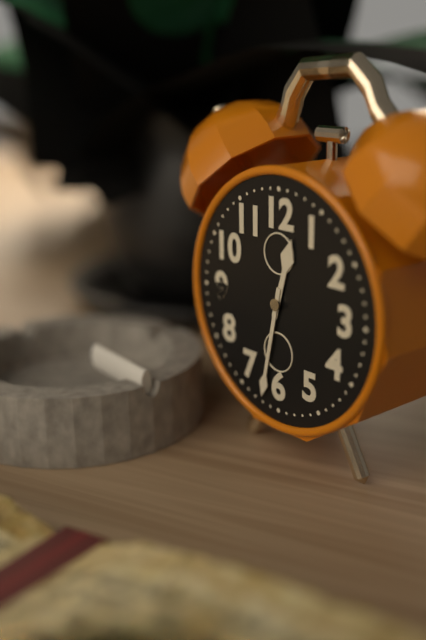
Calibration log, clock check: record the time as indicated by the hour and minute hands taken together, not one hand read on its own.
12:32
